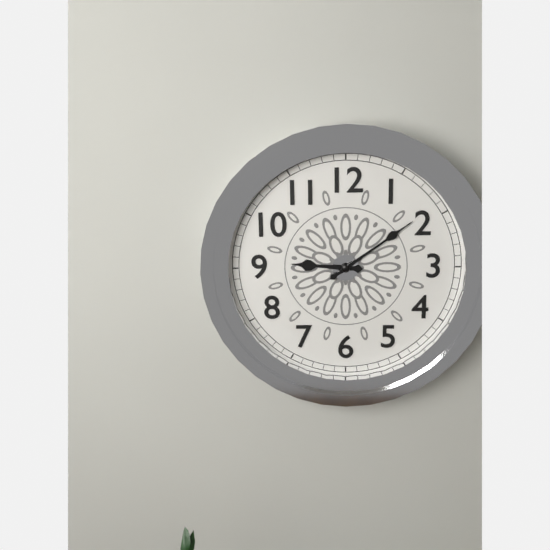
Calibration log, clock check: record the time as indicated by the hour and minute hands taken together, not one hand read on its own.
9:09
